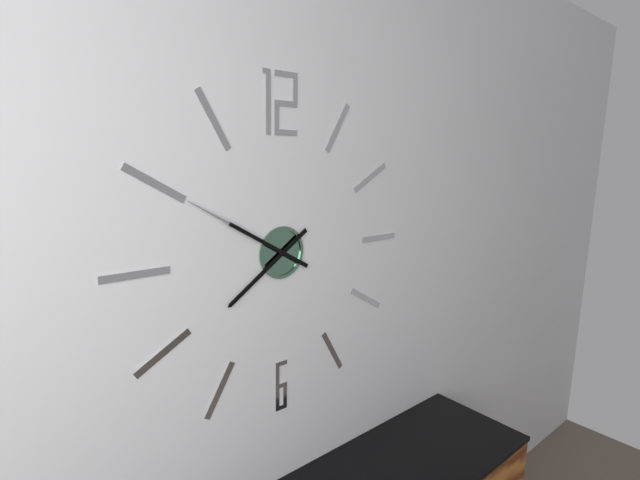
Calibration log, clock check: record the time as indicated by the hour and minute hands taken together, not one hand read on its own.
7:50
